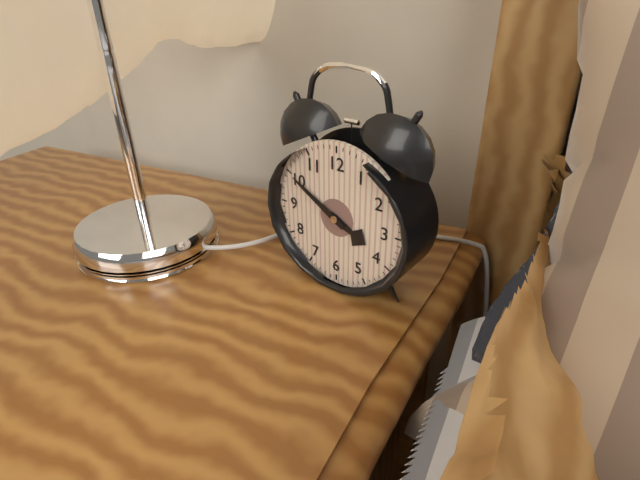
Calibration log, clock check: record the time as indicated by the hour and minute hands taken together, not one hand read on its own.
3:50
